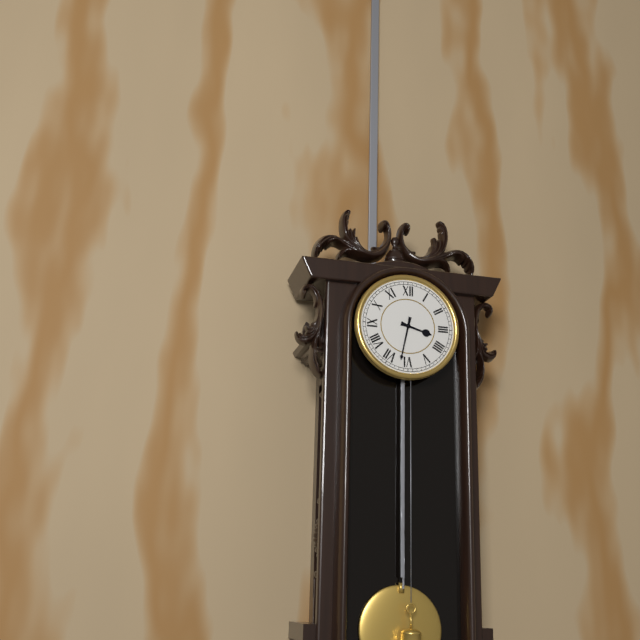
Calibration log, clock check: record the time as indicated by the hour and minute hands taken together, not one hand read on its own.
3:32
